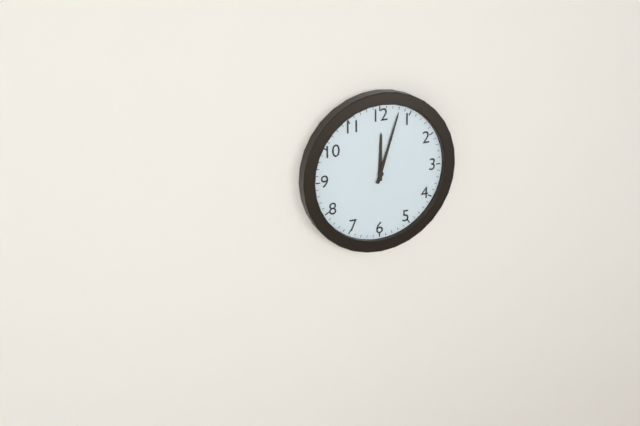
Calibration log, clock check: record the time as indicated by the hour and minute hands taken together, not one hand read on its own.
12:03
